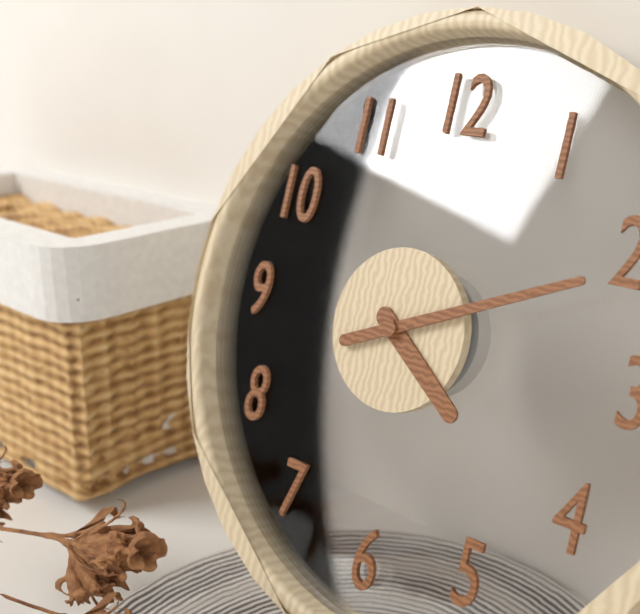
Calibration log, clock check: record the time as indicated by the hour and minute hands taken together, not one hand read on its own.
4:11
